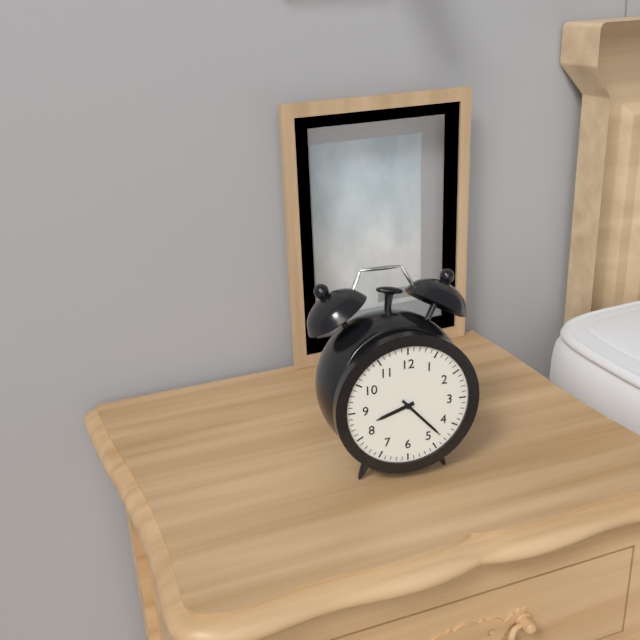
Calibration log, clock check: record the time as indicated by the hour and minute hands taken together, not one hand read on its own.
8:23
